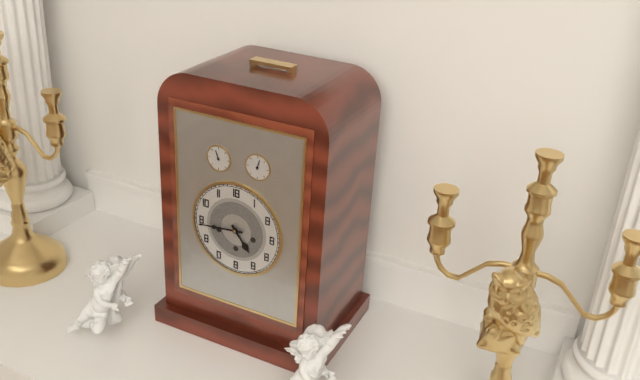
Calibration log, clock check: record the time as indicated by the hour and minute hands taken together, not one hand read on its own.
4:44
